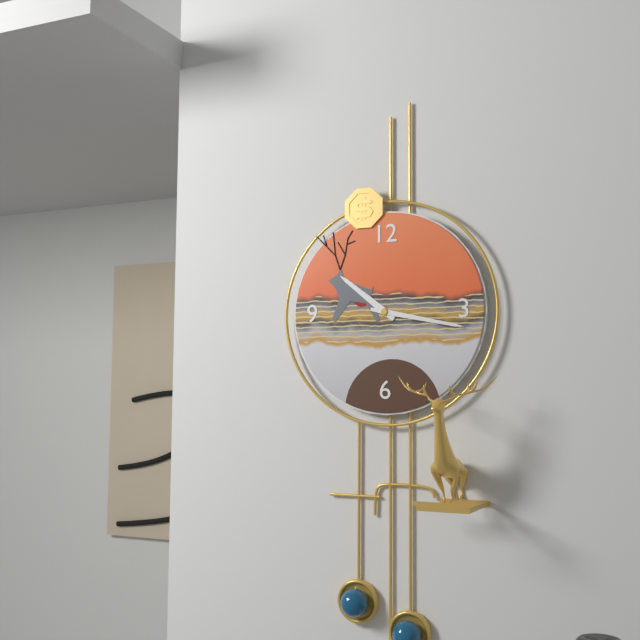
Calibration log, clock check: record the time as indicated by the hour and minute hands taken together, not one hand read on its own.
10:17
